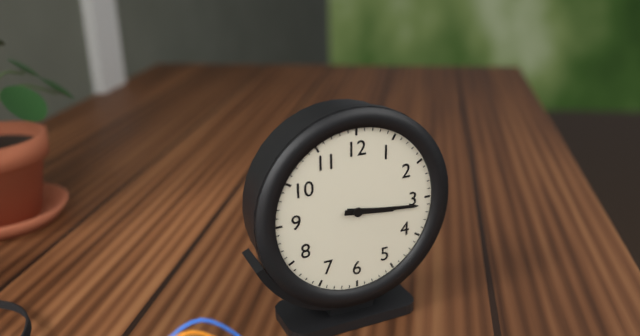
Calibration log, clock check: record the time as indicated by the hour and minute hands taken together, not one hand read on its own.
3:16
